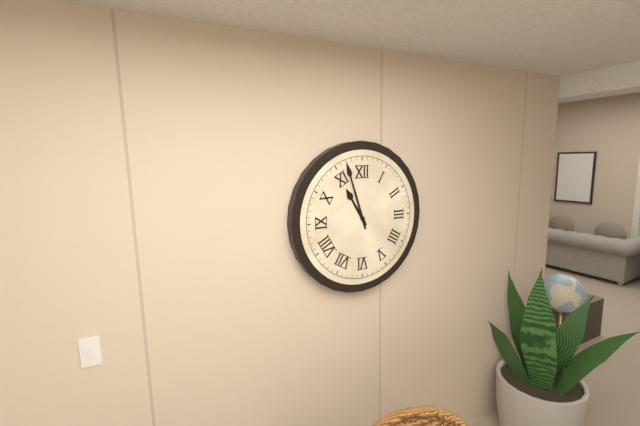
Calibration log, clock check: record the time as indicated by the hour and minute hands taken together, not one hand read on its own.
10:57
